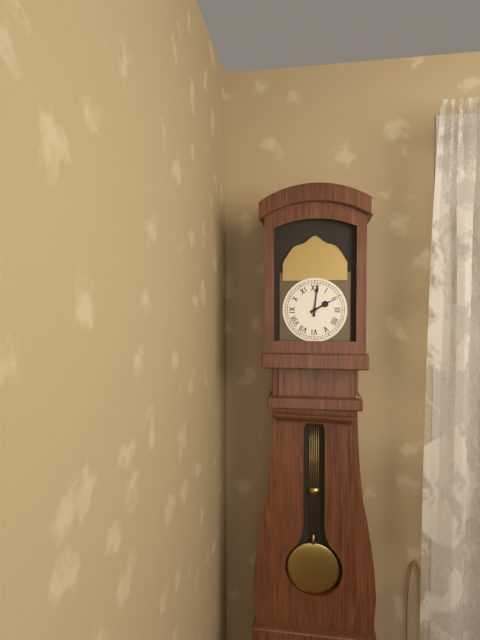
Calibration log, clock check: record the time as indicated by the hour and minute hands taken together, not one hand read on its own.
2:01
